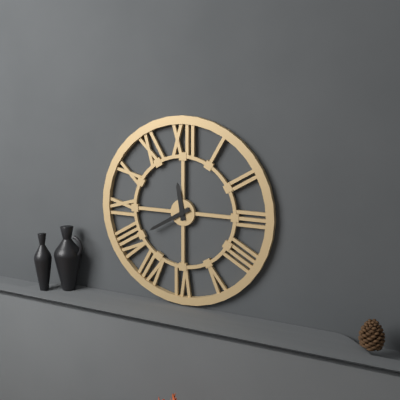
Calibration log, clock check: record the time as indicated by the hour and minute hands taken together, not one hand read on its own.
11:40
